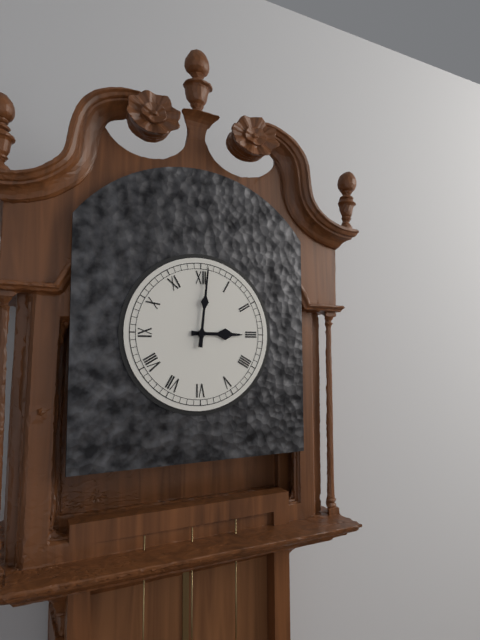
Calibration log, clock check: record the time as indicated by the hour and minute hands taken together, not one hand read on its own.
3:01
